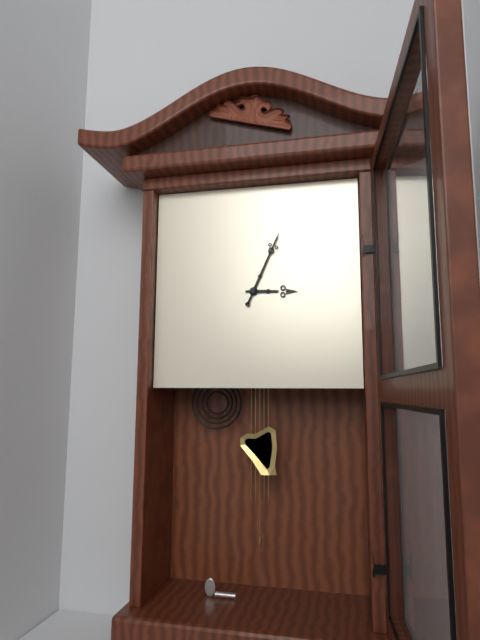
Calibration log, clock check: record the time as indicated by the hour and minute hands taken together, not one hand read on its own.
3:04
